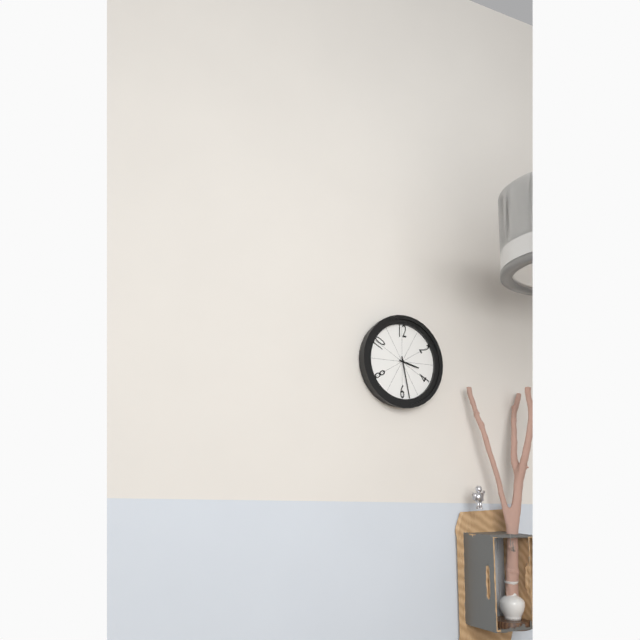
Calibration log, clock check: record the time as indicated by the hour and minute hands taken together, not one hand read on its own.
3:28
